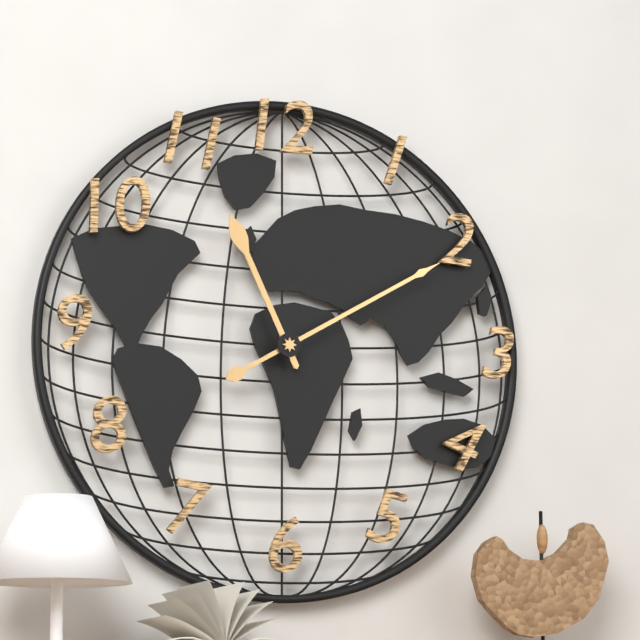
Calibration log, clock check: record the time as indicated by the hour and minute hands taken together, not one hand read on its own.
11:10
